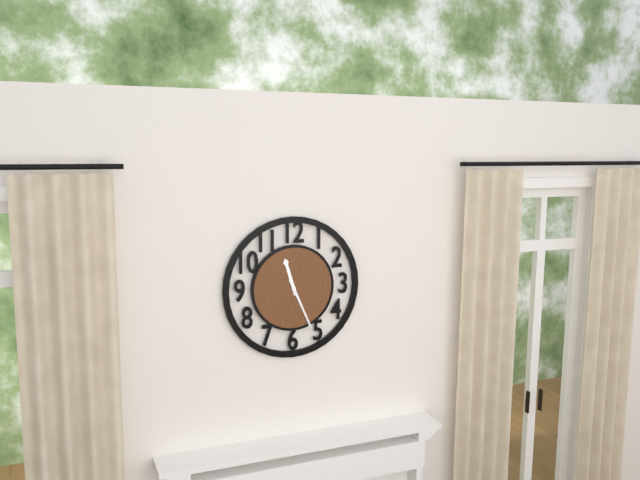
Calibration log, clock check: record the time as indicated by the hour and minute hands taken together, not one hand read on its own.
11:26
